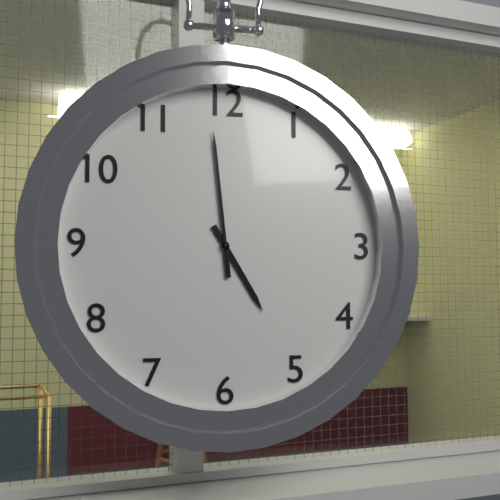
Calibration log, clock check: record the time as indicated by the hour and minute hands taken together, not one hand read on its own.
4:59
